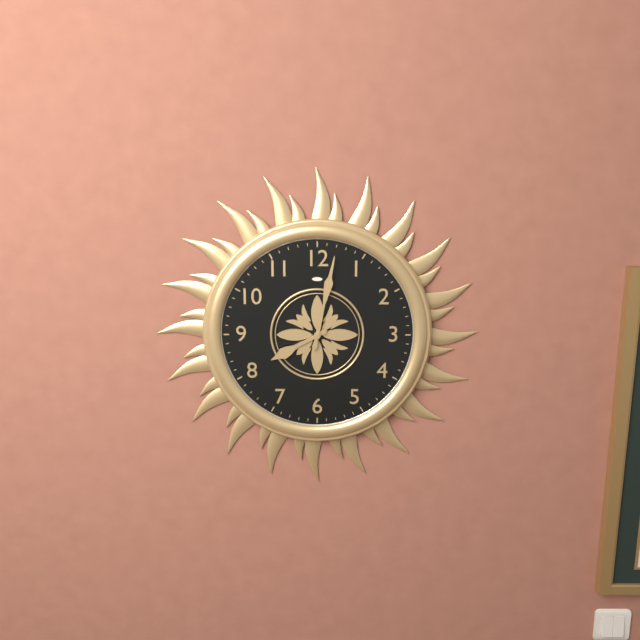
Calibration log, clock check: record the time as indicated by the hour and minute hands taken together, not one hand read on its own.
8:02
